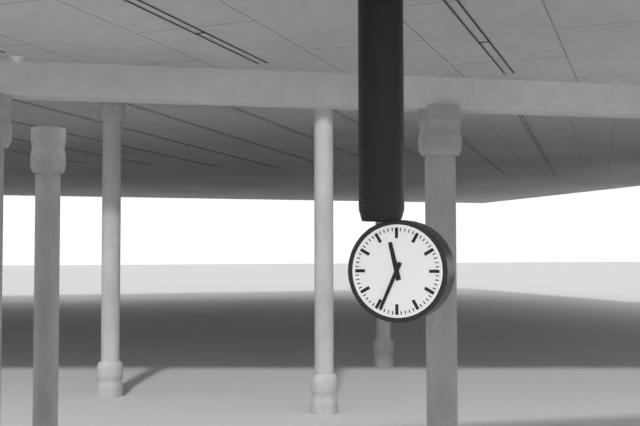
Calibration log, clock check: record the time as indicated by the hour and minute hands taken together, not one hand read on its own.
11:34
